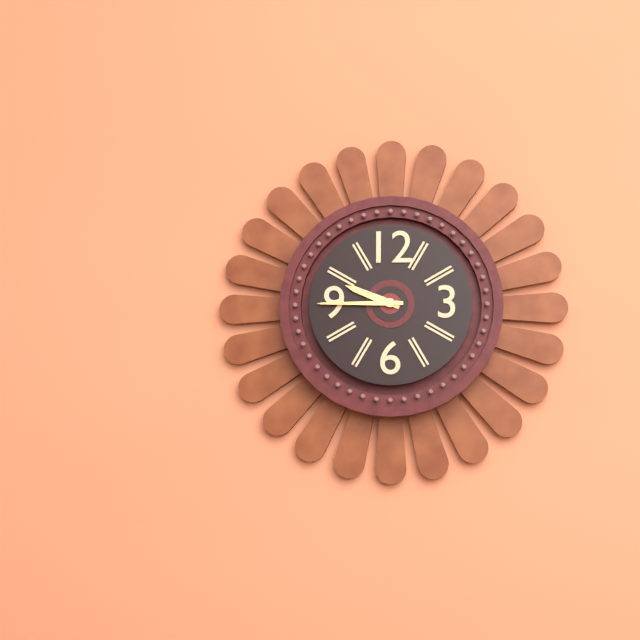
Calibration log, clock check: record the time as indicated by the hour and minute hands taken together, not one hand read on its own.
9:45
